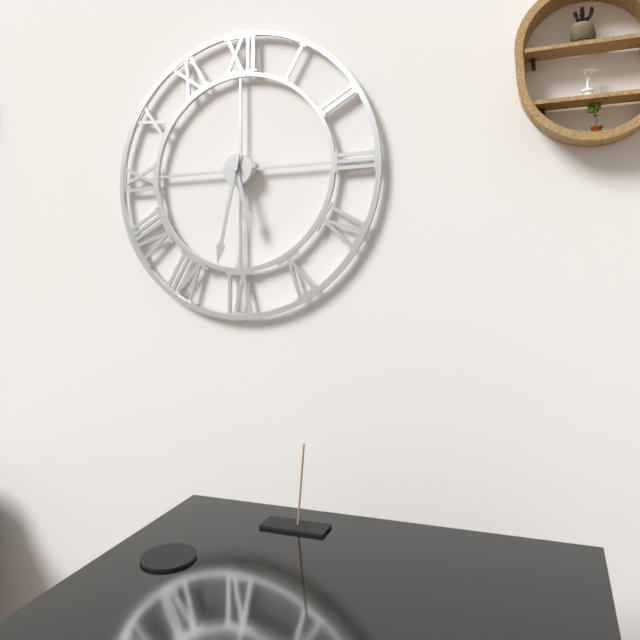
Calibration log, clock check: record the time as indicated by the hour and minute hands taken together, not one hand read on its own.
5:32
